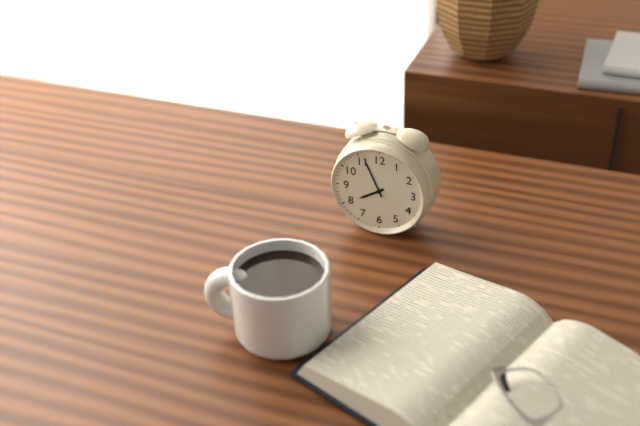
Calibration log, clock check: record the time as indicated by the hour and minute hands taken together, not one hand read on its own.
7:56
